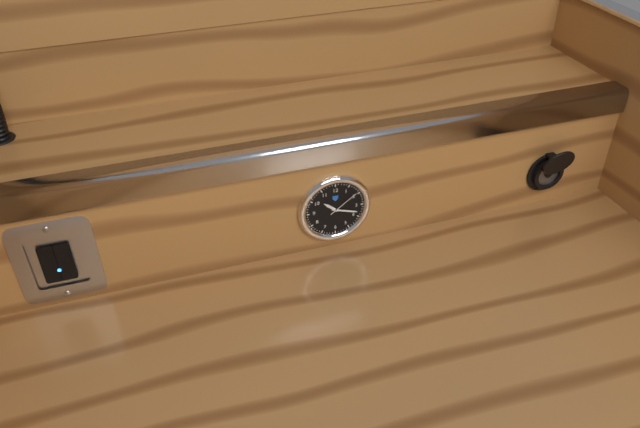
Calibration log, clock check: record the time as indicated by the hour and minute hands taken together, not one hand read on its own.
10:18
